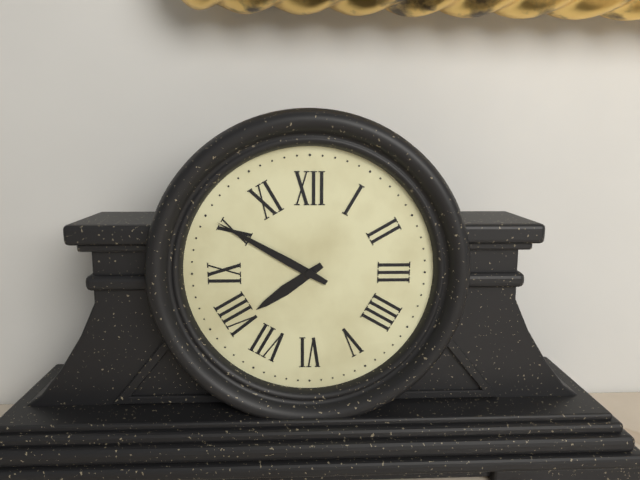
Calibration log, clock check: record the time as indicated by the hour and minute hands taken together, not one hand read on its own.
7:50
